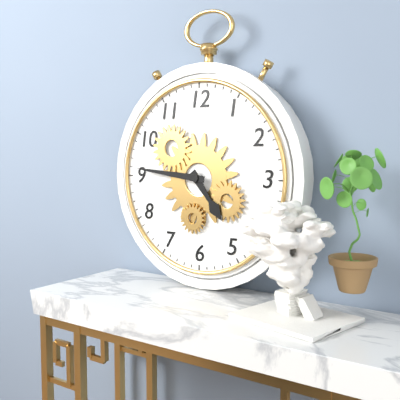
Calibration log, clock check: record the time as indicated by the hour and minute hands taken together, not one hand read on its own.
4:46
